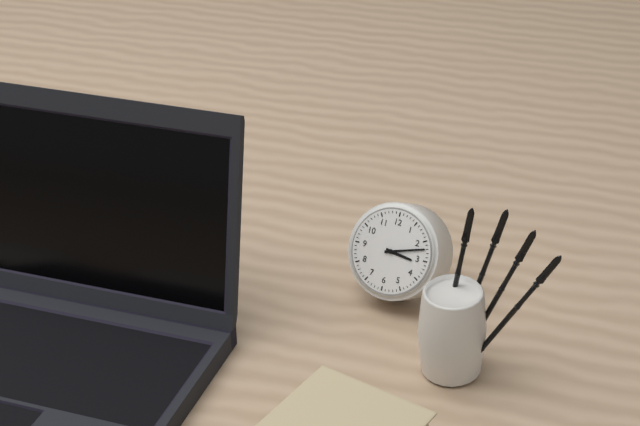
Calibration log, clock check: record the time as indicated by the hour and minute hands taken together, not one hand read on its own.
3:12
